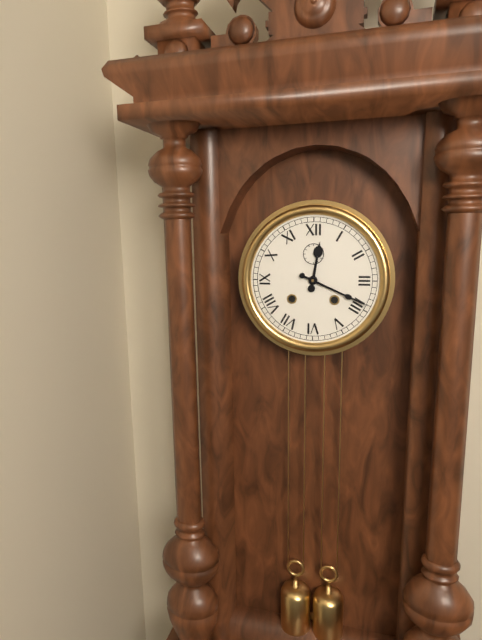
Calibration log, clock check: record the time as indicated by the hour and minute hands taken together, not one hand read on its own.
12:19
